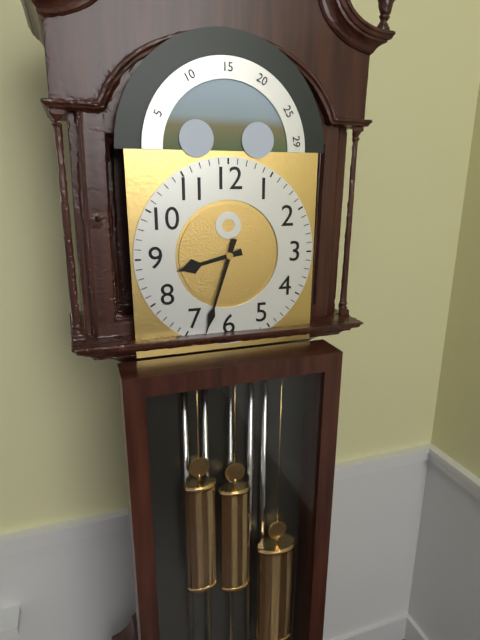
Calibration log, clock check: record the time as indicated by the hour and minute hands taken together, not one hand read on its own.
8:33
